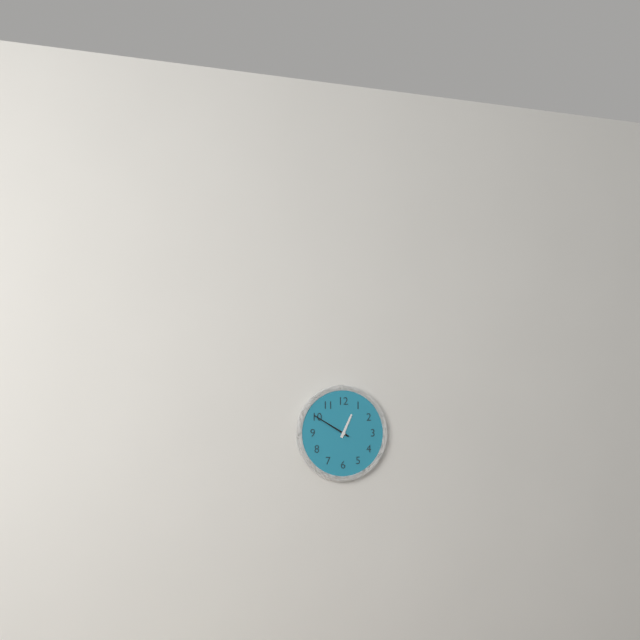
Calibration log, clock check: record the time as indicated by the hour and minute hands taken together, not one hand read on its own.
12:50
